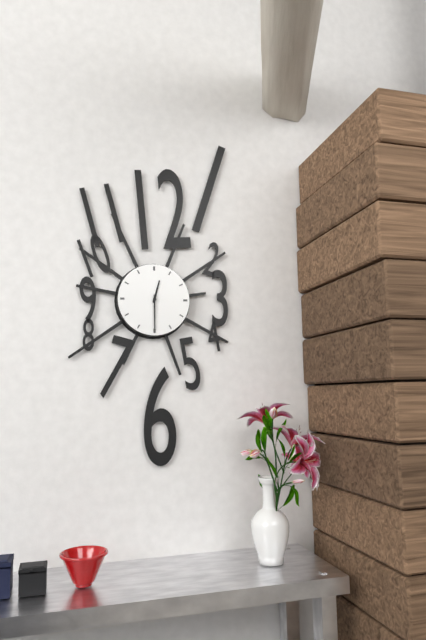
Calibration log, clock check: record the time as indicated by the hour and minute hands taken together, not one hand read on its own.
12:30
